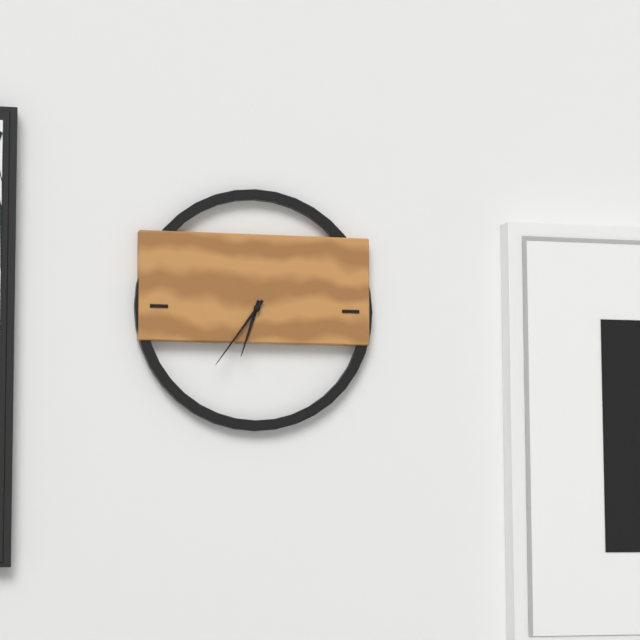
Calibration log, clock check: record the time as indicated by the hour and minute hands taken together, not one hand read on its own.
6:36
